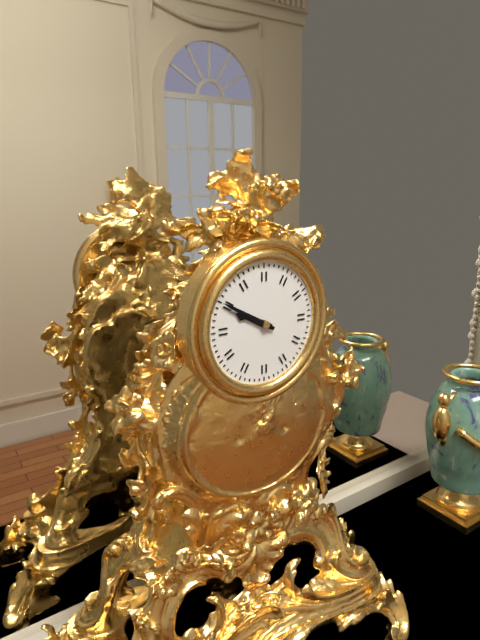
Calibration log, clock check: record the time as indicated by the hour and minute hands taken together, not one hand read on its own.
9:50
